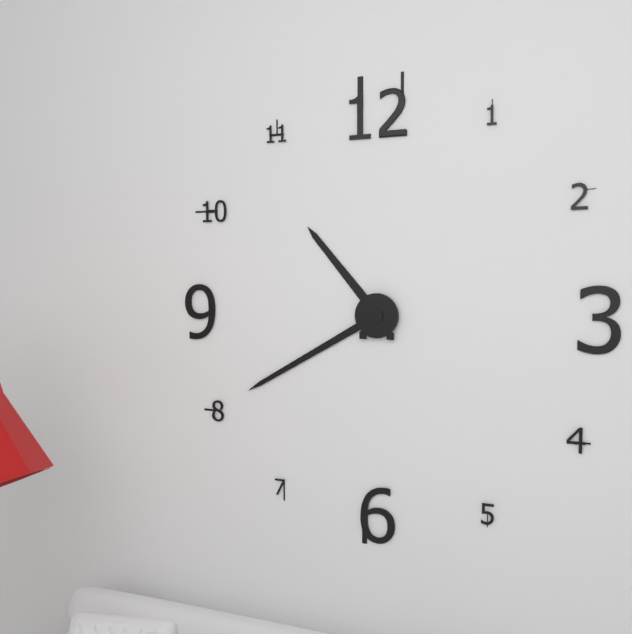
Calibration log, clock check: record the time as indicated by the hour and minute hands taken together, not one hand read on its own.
10:40
